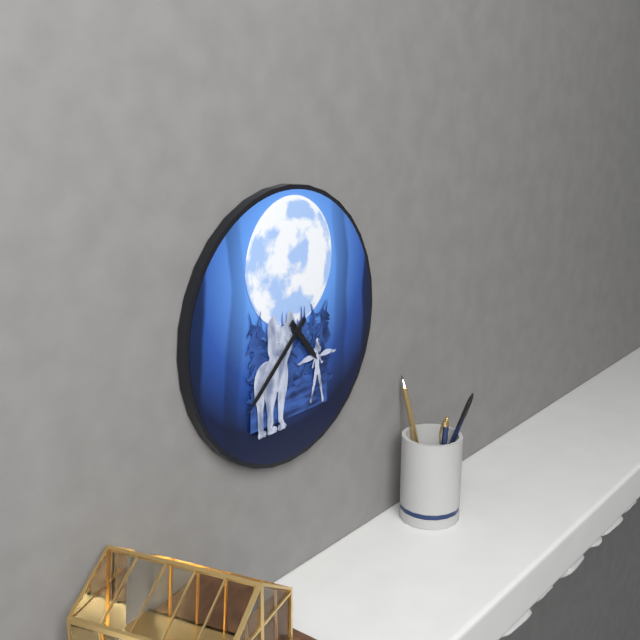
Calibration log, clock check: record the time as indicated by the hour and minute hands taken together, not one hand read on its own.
4:38
